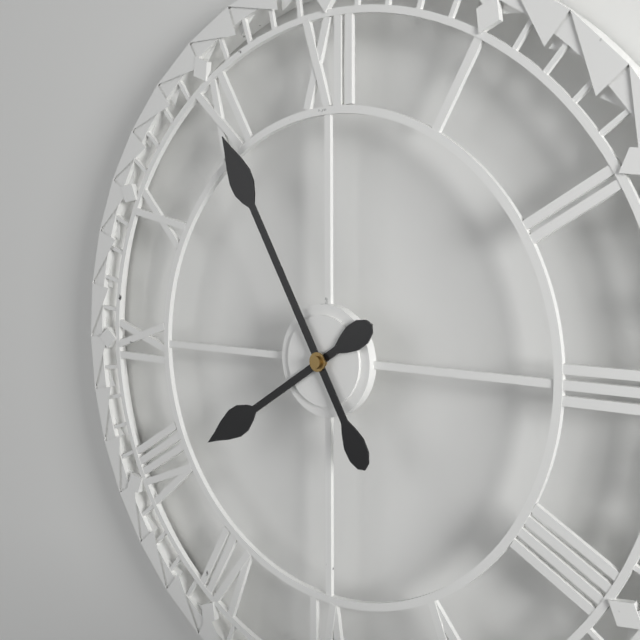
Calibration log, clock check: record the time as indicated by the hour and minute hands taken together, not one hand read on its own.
7:55
